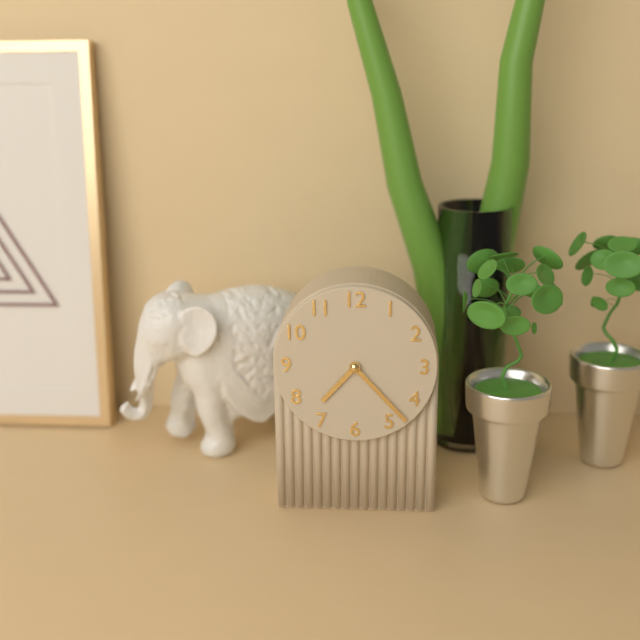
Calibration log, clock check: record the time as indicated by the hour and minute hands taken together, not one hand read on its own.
7:23
